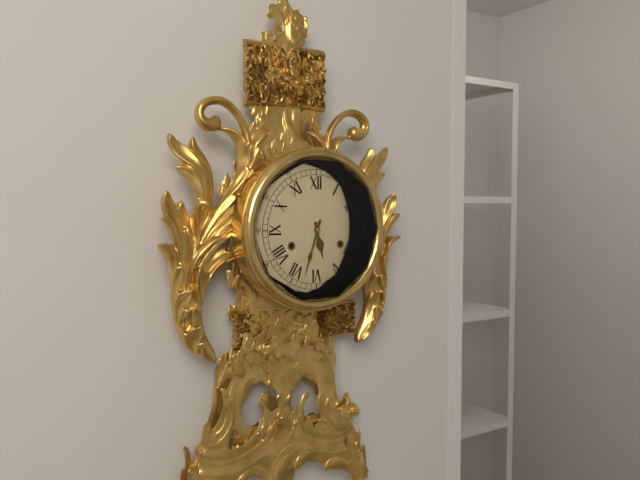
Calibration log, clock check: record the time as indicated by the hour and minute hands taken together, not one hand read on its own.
5:33
